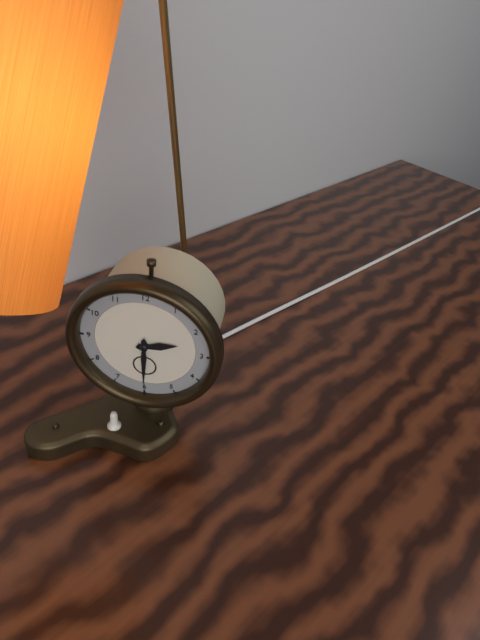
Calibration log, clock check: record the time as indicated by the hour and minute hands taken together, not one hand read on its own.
2:30
